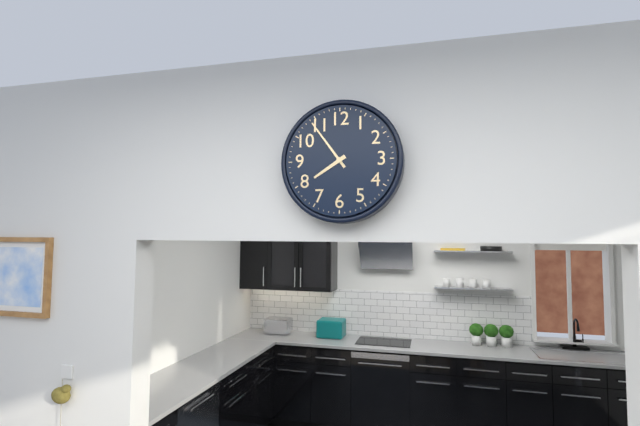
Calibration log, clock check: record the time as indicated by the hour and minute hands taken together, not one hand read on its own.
7:54
